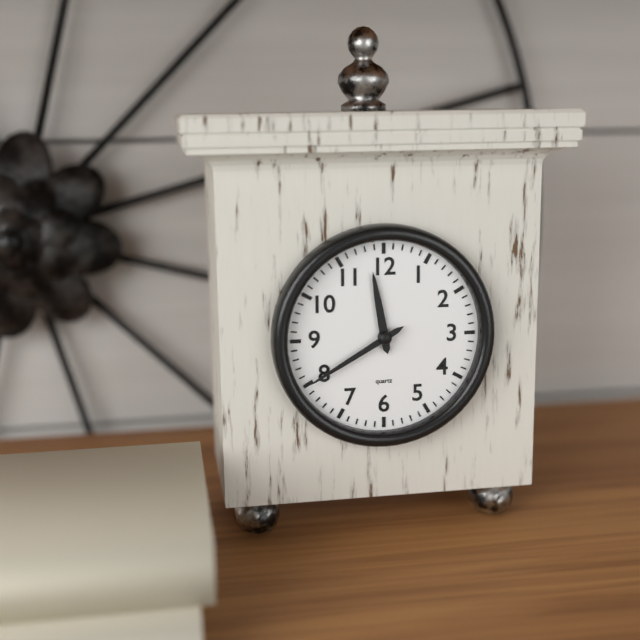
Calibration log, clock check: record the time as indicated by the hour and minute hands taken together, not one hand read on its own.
11:40
